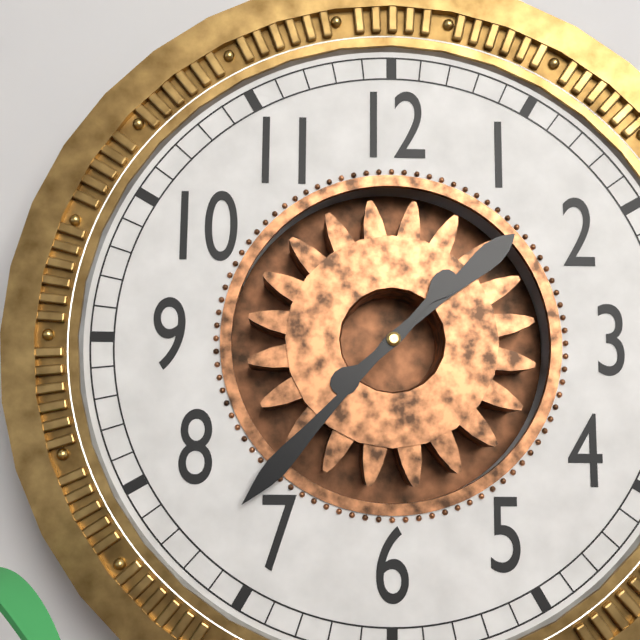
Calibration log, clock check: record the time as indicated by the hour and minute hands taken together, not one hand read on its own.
1:37
